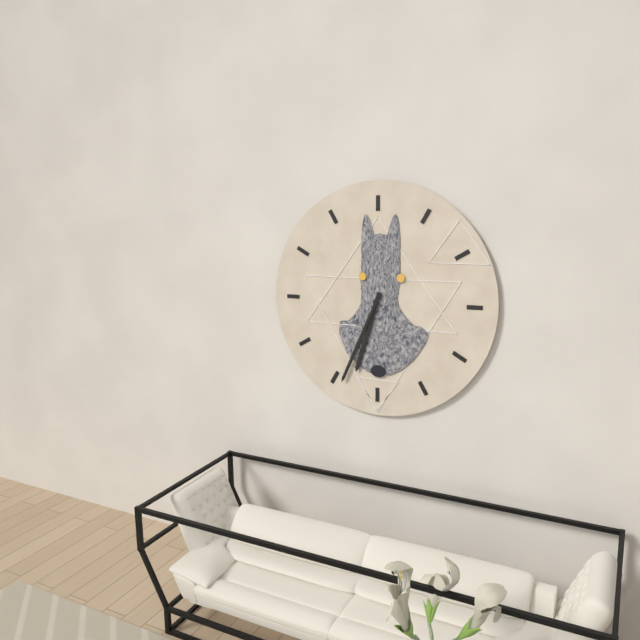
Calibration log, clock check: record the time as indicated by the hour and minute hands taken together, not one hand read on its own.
6:34
